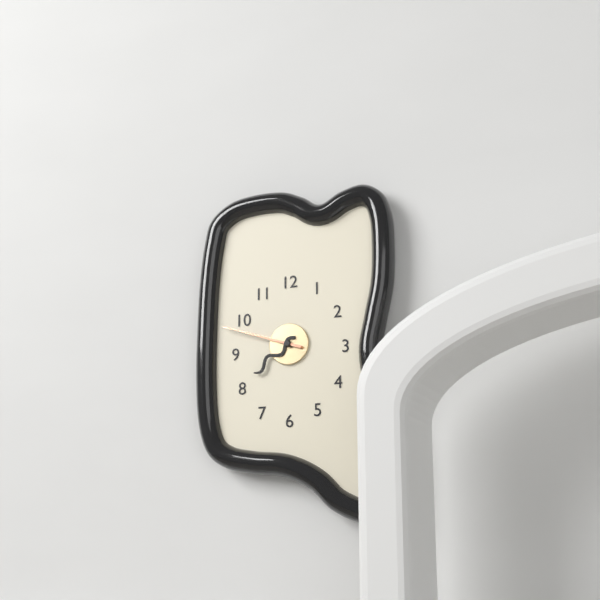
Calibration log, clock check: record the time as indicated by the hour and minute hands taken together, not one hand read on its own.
7:48
